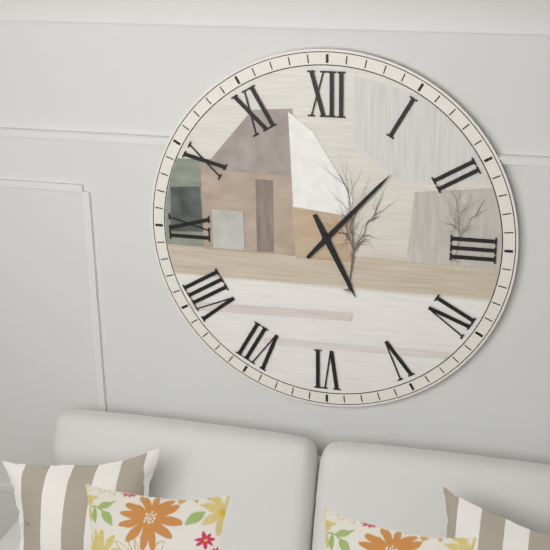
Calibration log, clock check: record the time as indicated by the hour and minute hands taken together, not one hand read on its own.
5:07
